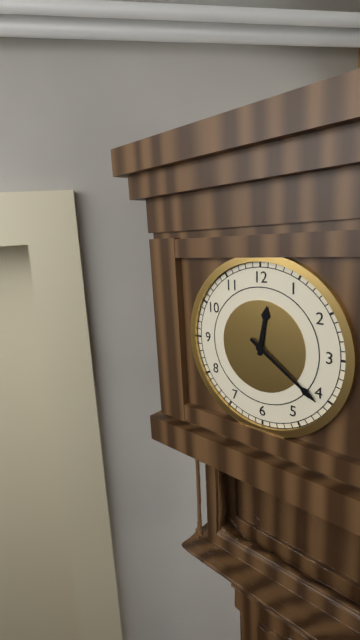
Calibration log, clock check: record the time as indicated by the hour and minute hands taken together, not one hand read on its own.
12:21
